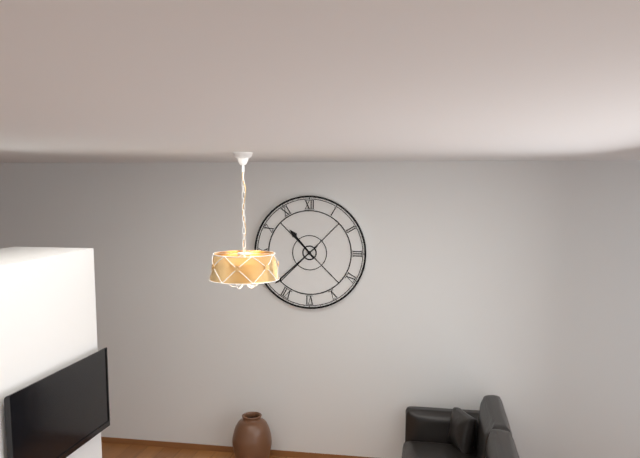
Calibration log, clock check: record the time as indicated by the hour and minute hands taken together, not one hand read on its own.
10:38
